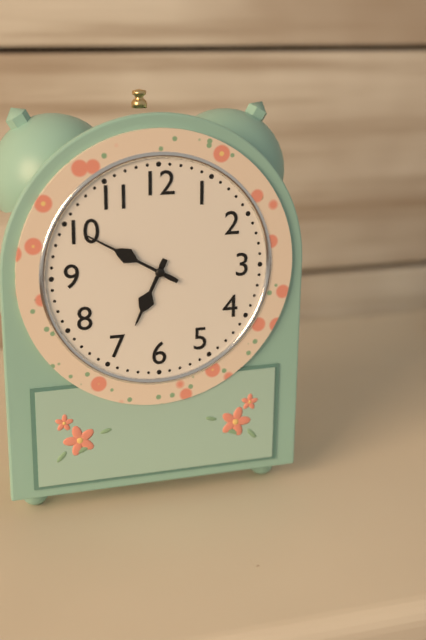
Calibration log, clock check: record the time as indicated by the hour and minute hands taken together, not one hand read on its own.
6:50
